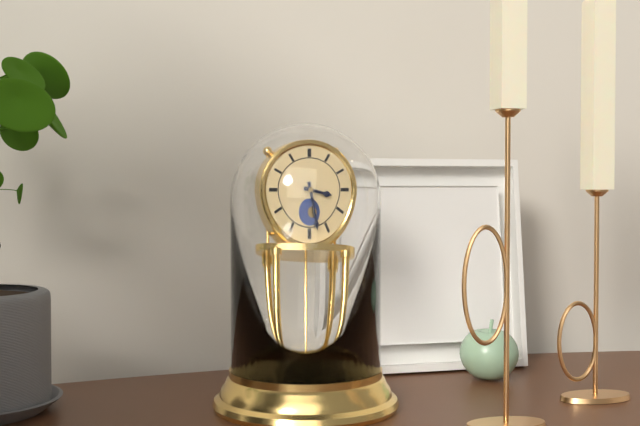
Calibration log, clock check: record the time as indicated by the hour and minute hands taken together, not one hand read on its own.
3:28
